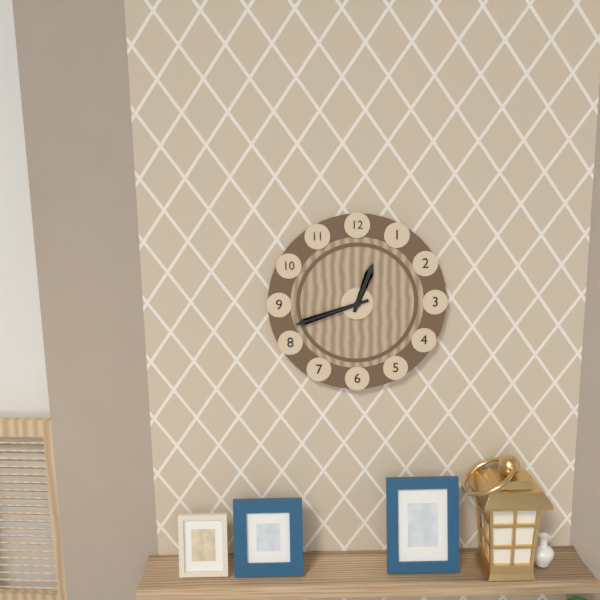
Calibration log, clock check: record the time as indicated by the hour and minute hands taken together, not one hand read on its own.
12:42
